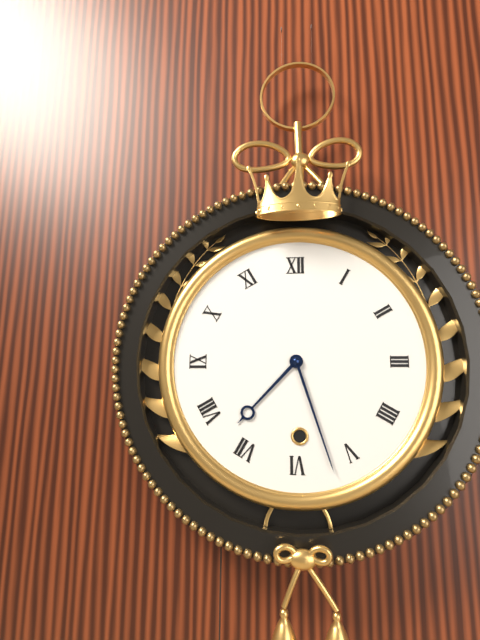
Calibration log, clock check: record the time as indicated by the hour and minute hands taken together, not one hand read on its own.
7:27
